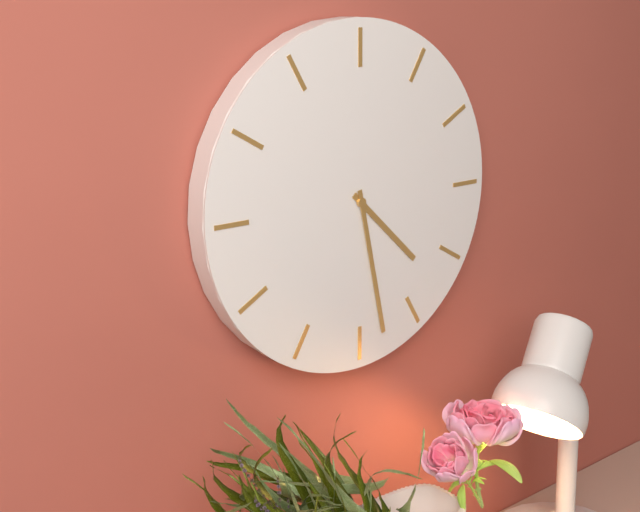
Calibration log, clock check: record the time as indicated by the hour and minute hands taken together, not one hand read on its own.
4:28
